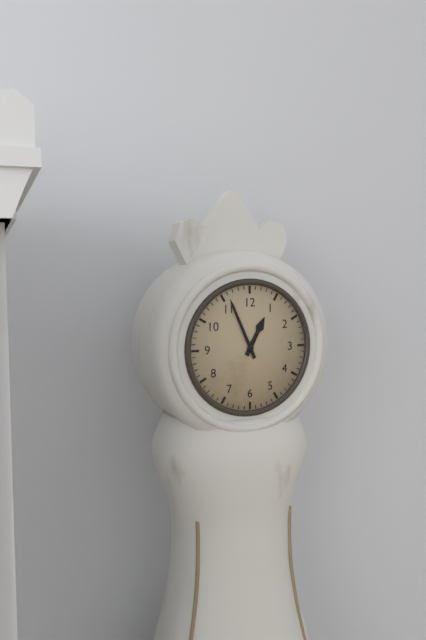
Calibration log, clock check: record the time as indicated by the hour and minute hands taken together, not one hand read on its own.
12:56
